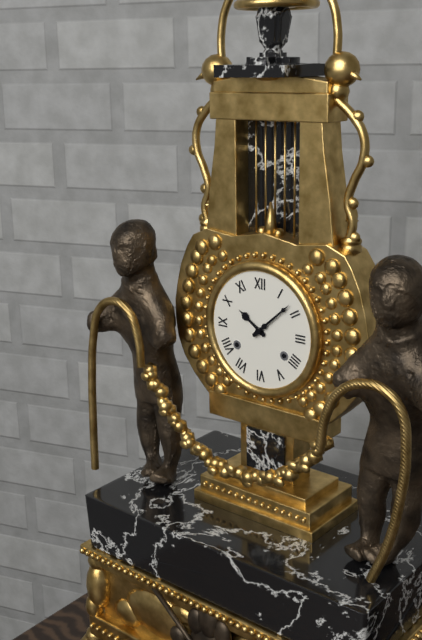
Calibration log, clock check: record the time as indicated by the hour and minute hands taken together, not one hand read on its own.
10:08
